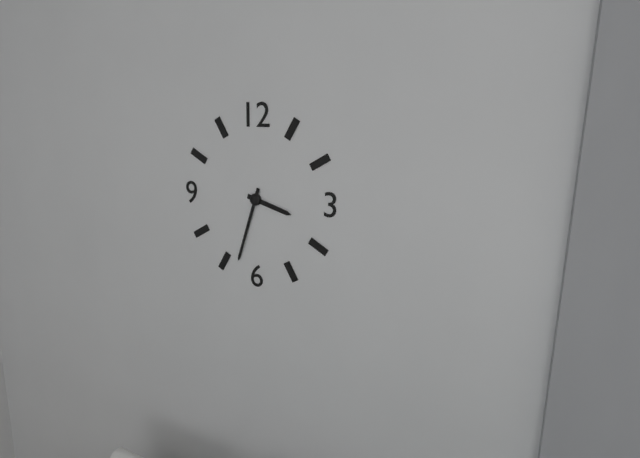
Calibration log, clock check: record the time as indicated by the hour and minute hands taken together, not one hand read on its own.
3:33
